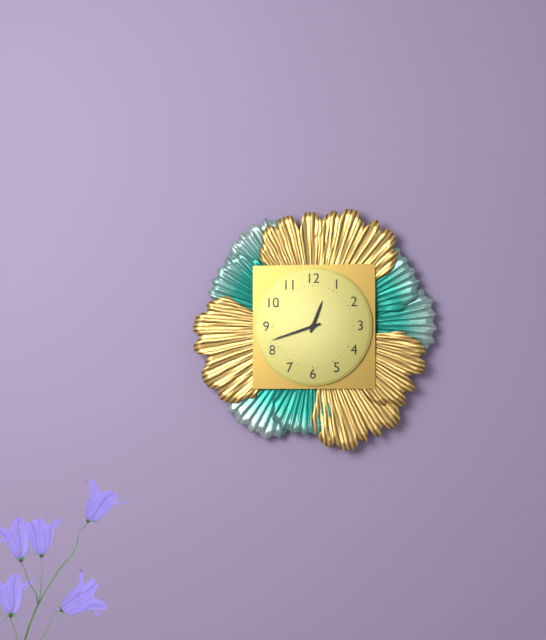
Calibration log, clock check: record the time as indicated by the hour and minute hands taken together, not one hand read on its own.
12:42
